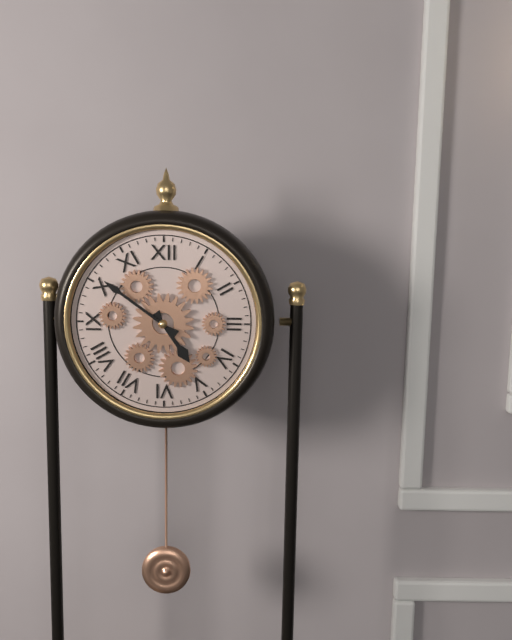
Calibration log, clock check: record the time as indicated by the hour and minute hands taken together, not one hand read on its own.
4:51
